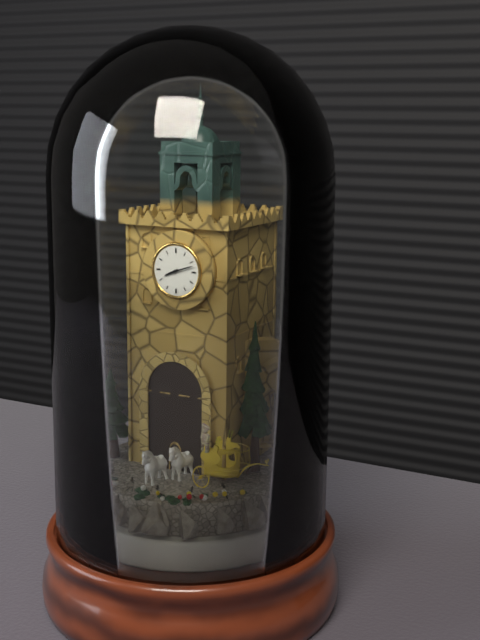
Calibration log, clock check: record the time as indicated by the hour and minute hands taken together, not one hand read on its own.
8:12
